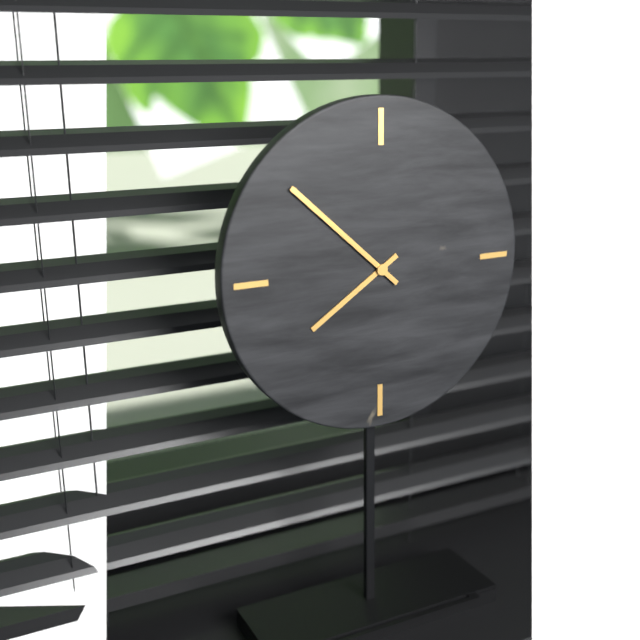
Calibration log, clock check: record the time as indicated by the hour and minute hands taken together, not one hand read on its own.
7:52
